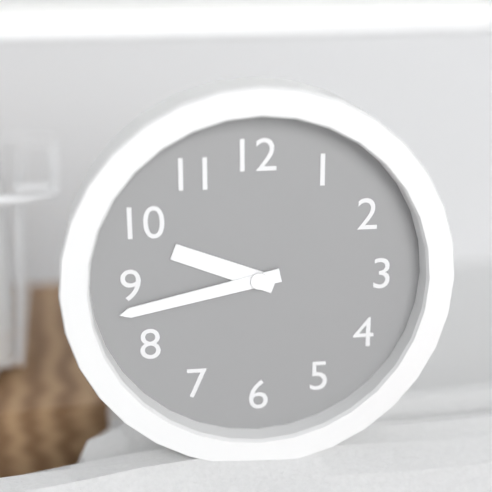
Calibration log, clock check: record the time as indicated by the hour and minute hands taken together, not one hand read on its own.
9:43
